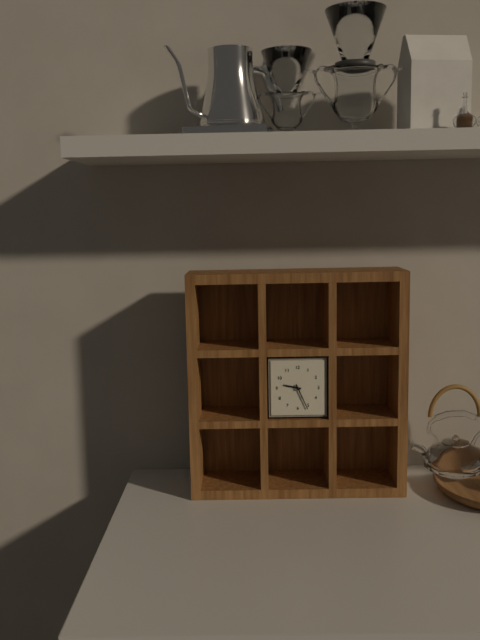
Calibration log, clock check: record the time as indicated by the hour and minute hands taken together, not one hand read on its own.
9:26
